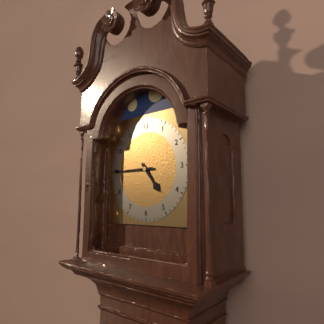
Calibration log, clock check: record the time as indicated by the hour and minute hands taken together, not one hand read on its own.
4:45
